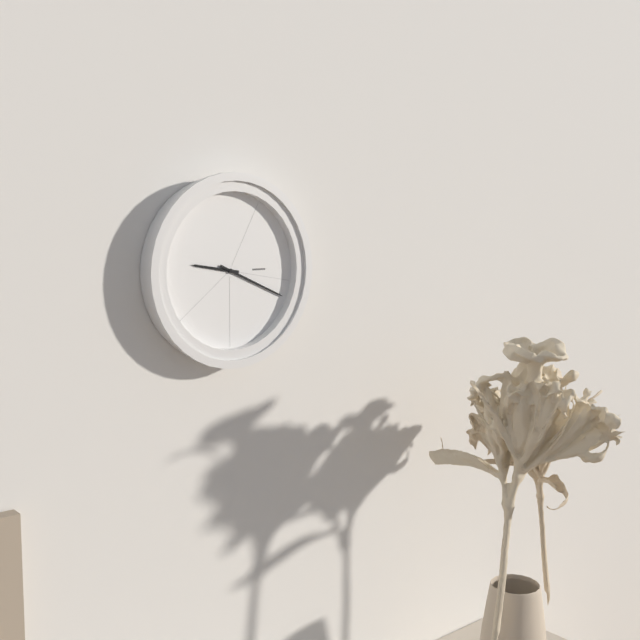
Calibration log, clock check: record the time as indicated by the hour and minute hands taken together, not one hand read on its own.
9:19
